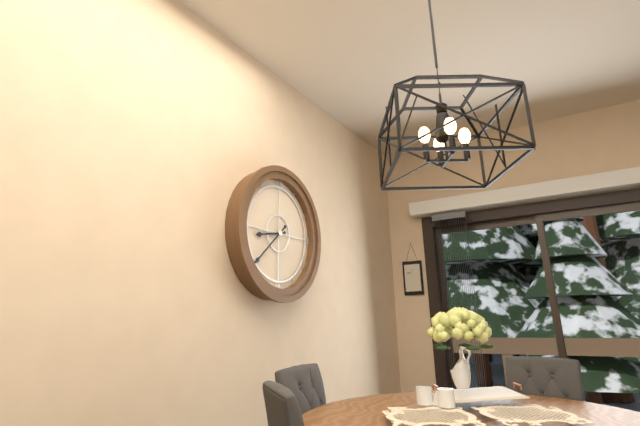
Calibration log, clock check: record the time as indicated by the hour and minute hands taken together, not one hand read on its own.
8:38
